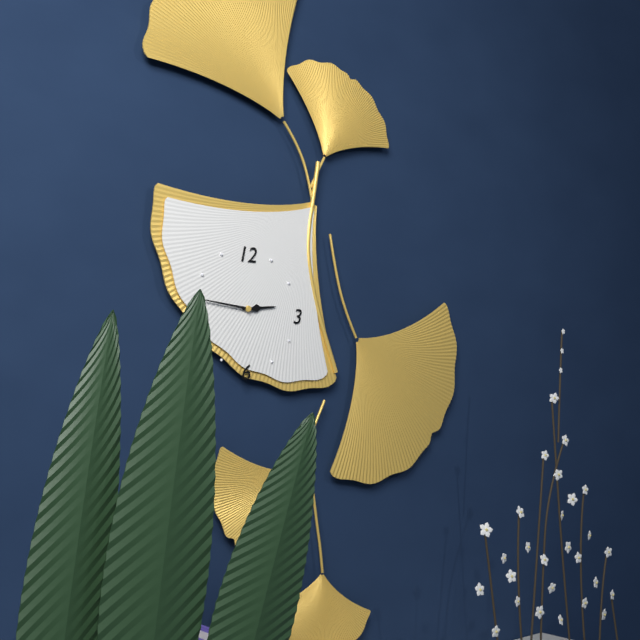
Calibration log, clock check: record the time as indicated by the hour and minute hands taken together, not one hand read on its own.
2:46
